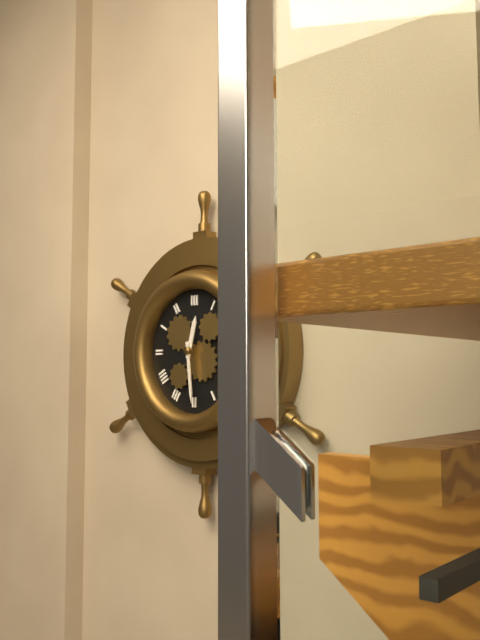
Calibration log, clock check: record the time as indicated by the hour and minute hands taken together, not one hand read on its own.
12:29
